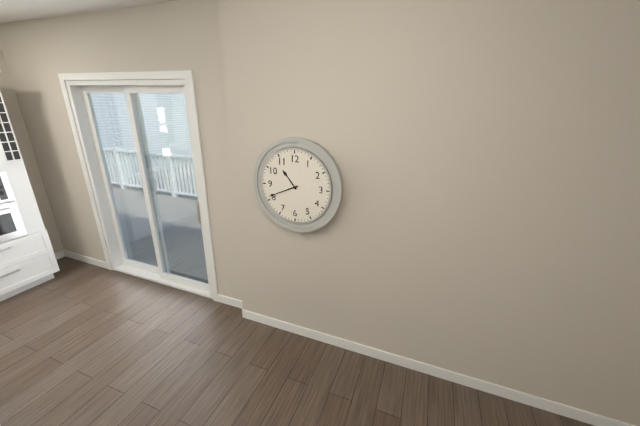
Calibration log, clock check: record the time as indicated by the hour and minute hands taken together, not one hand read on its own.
10:41
